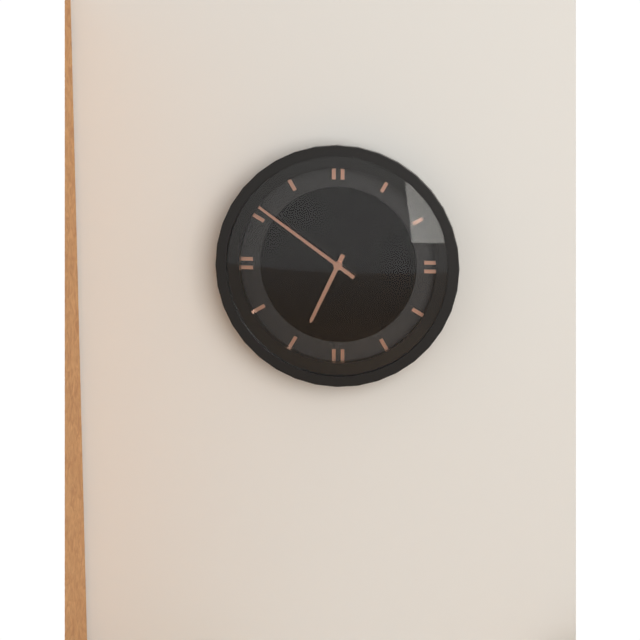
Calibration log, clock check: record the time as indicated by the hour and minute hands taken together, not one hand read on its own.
6:51
